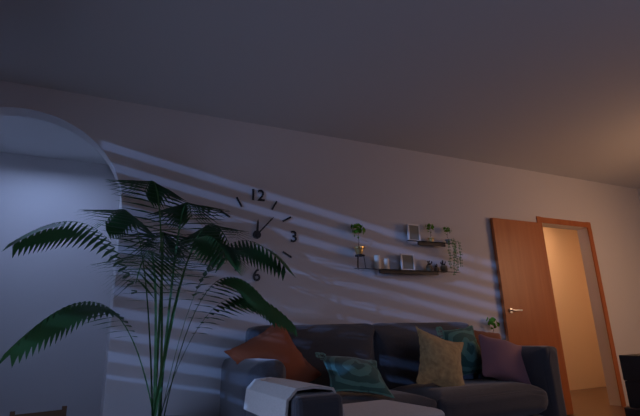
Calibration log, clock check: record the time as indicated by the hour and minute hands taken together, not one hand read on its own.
12:07
